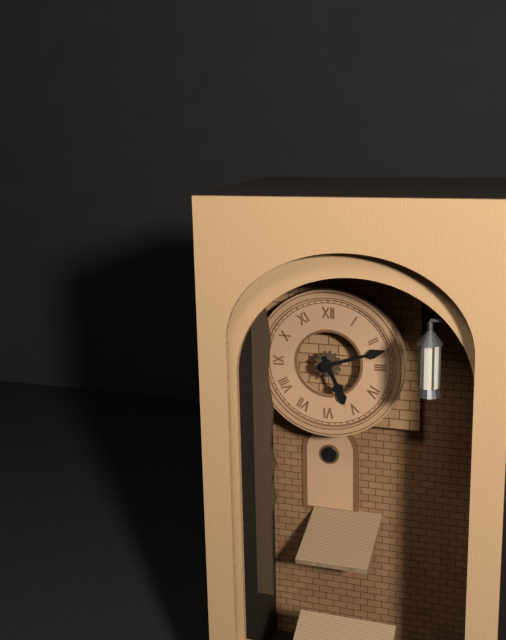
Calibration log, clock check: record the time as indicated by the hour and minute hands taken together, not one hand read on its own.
5:12
